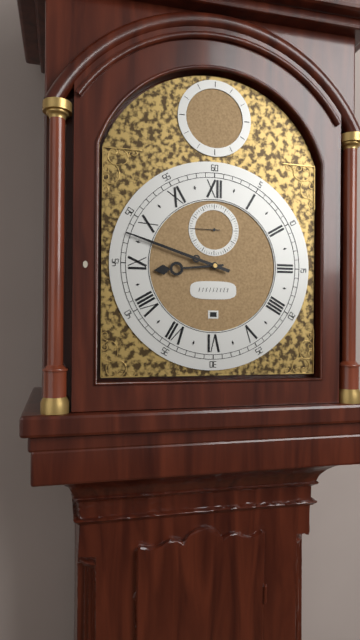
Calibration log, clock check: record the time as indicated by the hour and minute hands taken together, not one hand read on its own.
8:48
